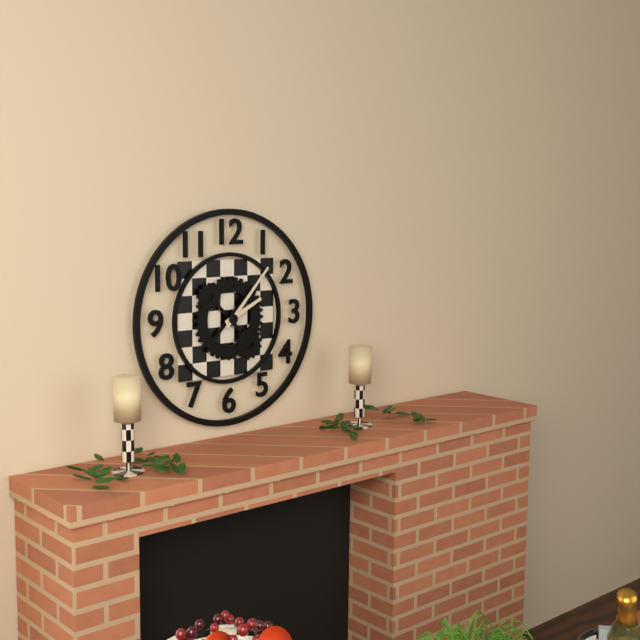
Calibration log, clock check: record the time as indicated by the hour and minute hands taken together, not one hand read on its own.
2:07
